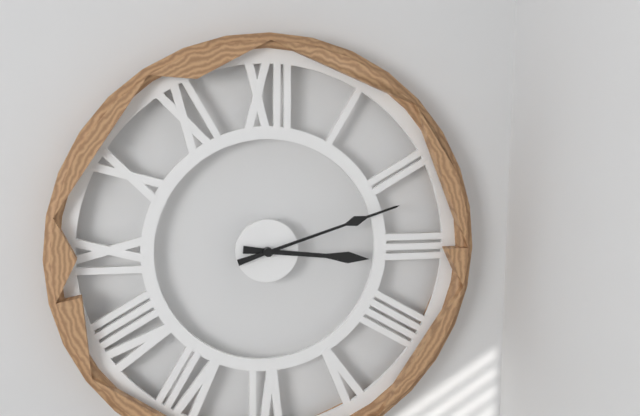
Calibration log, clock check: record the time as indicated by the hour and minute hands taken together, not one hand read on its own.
3:12
